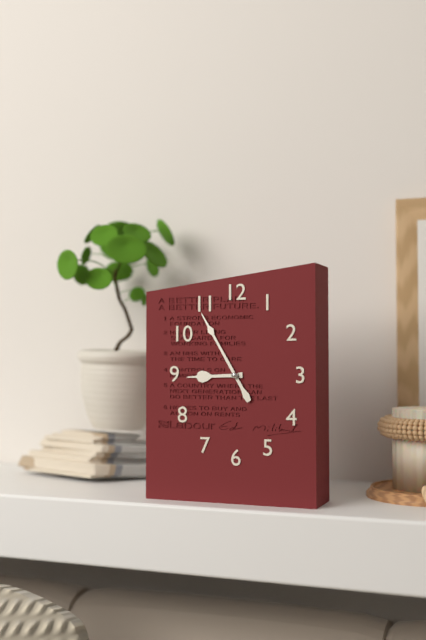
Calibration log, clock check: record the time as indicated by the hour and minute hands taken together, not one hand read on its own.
8:55
